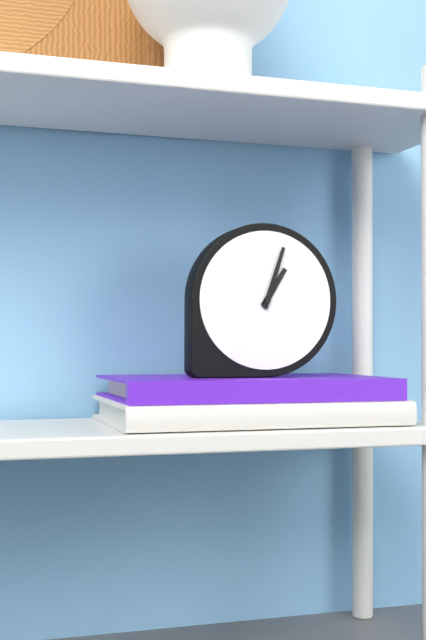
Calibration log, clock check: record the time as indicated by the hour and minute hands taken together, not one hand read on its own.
1:03
